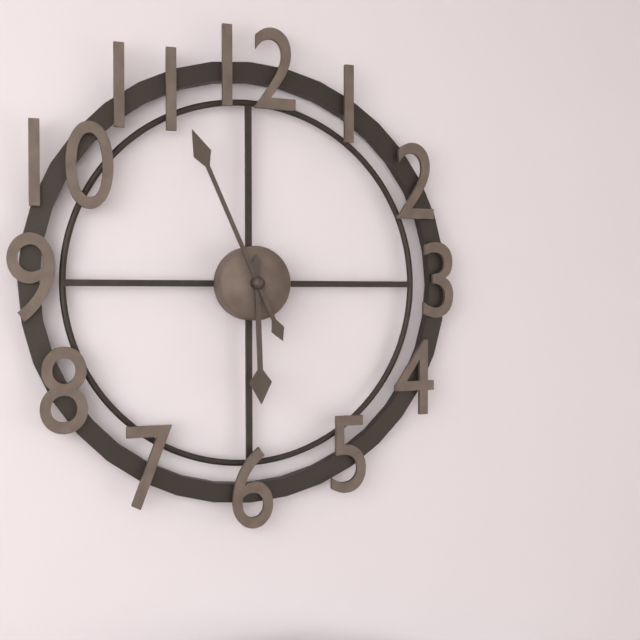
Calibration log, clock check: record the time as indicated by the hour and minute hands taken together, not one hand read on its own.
5:56
